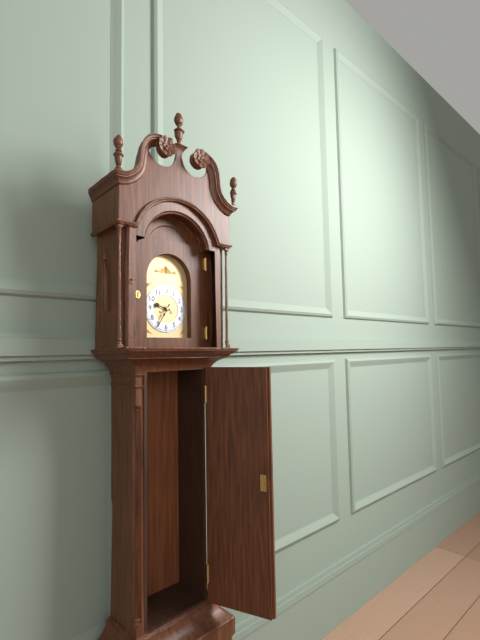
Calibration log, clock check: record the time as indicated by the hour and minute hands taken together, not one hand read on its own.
9:35
